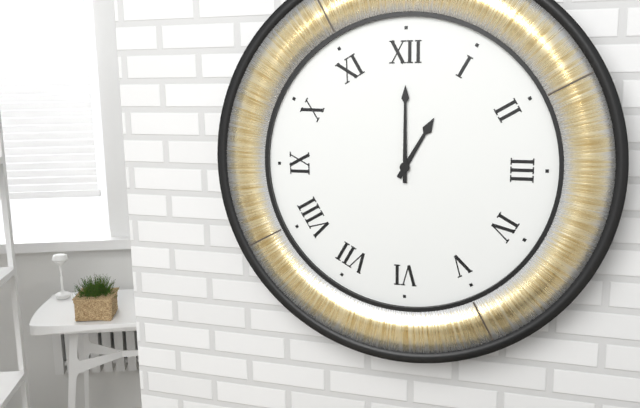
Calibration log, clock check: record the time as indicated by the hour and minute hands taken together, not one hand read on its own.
1:00
